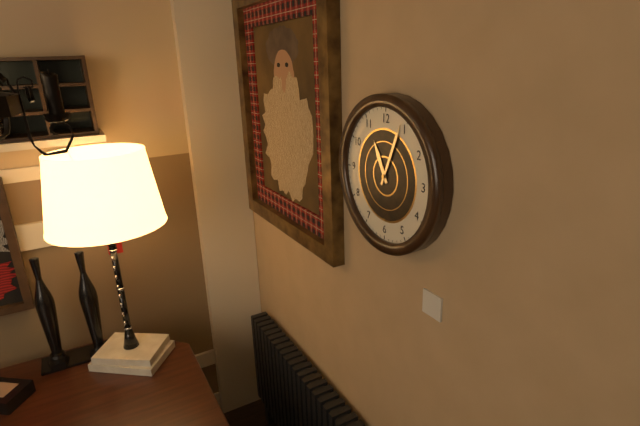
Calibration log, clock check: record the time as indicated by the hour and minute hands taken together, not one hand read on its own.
11:04
